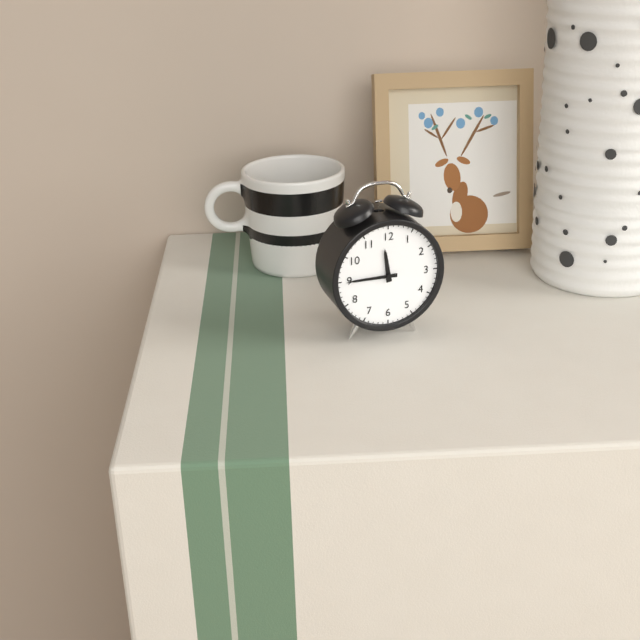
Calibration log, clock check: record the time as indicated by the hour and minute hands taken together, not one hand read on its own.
11:45
